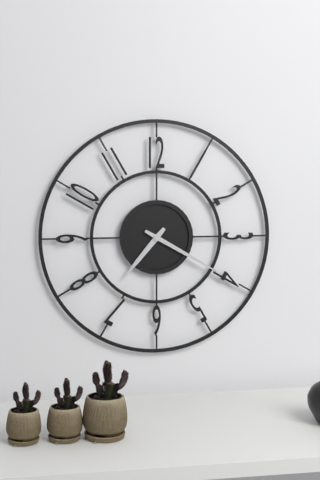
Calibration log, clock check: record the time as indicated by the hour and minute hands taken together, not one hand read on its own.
7:20
